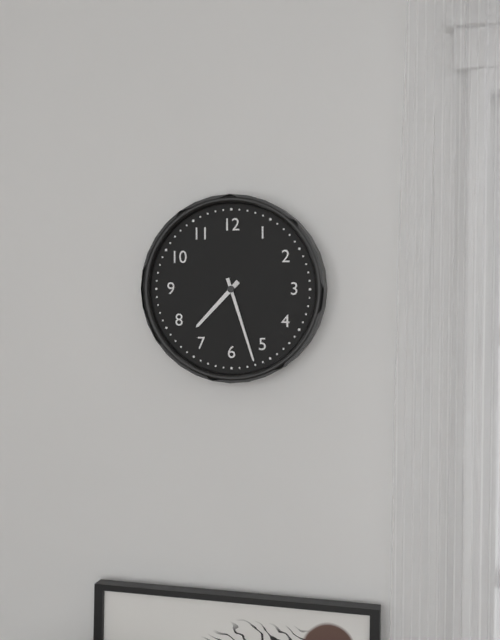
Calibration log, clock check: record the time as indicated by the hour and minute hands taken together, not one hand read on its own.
7:27
